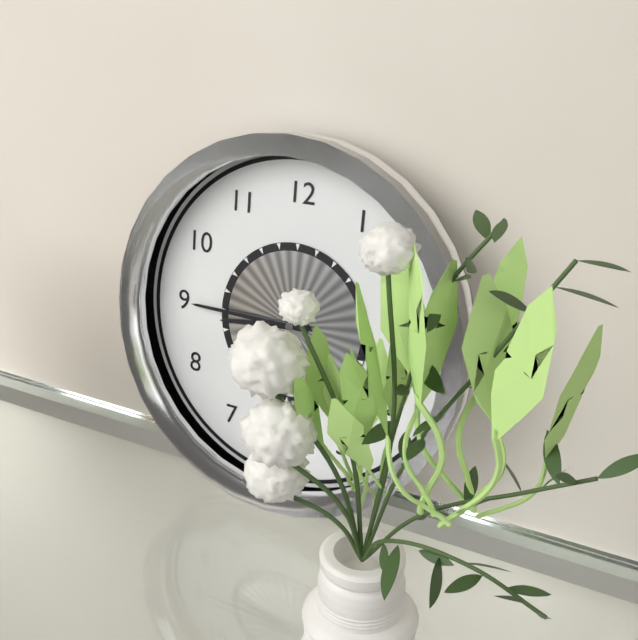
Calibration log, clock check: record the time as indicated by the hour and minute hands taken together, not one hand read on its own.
8:45
